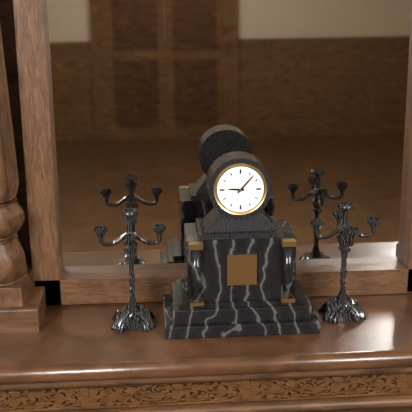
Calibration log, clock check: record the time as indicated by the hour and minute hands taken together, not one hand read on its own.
9:07
